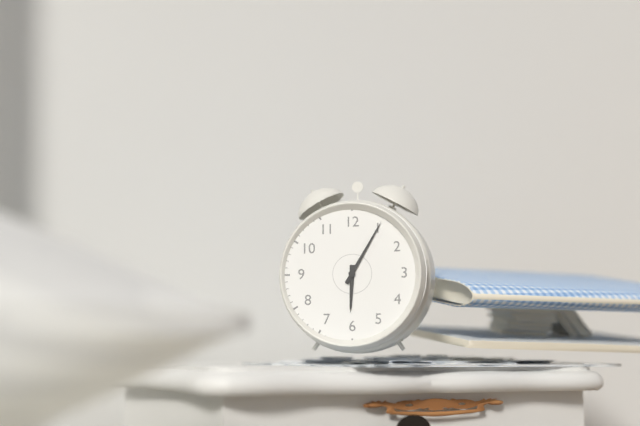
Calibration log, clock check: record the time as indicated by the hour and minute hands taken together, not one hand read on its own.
6:05
